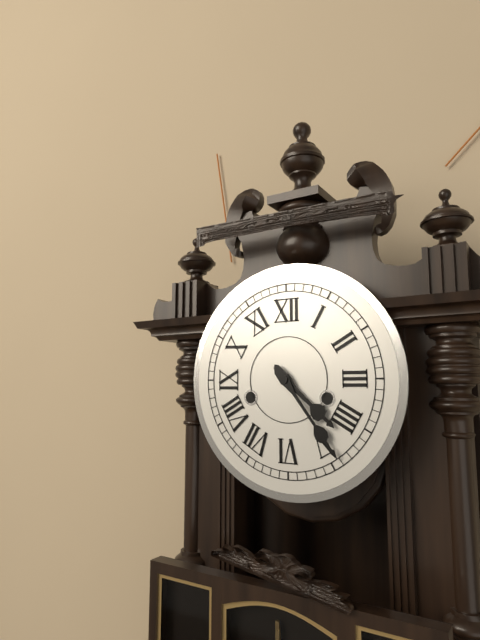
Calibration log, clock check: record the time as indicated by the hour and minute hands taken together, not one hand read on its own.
4:24
